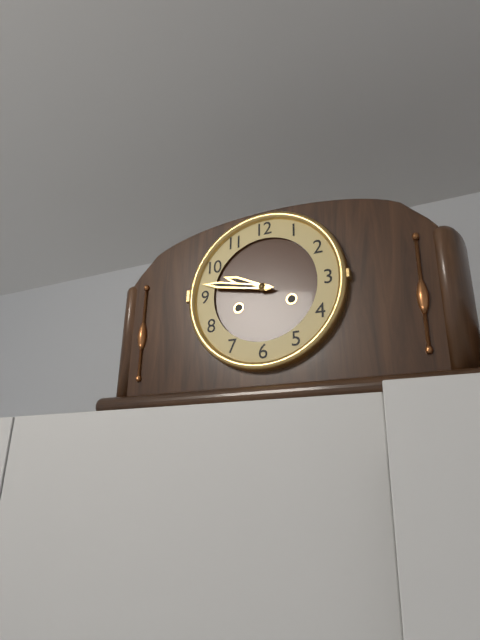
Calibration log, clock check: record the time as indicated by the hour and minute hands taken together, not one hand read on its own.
9:47
